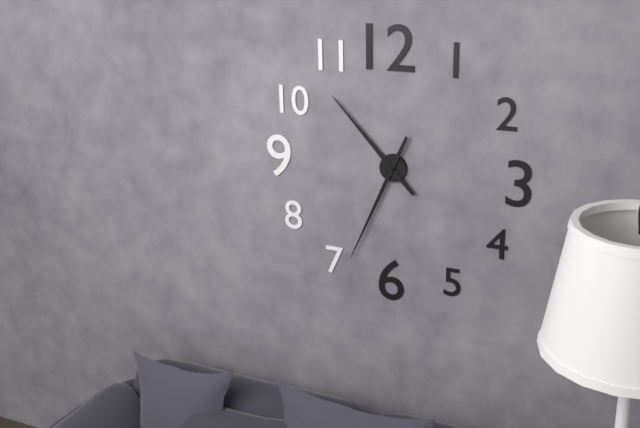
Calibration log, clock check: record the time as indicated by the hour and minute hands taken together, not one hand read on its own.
10:34
